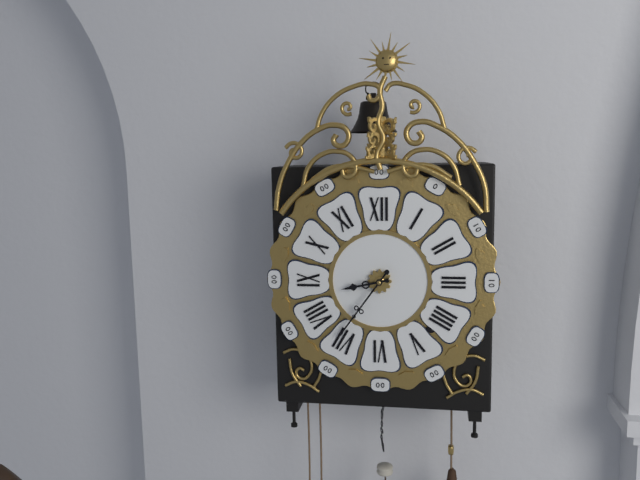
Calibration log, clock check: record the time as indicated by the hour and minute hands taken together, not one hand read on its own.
8:36
